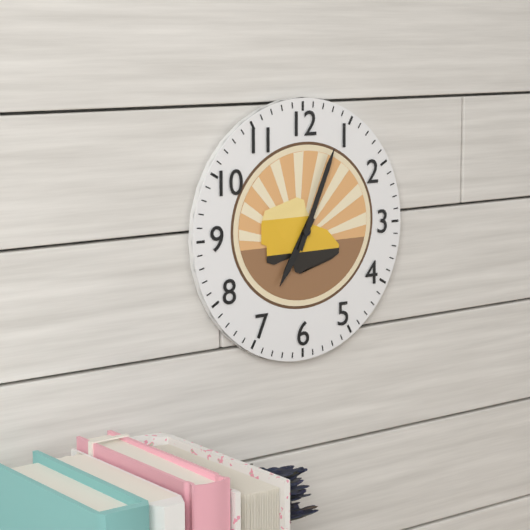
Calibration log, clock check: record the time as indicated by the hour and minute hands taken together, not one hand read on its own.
7:04
